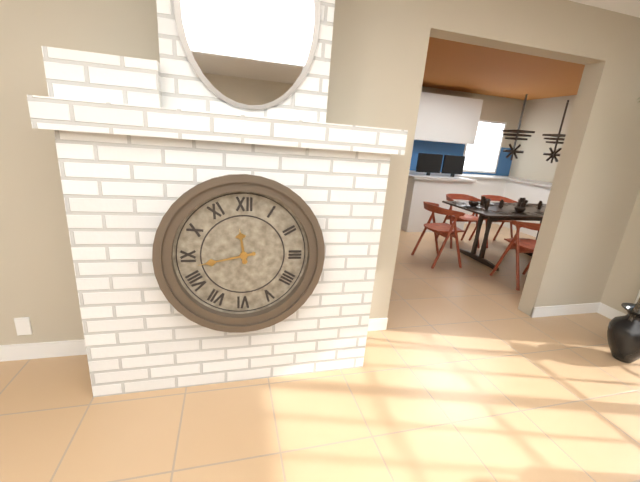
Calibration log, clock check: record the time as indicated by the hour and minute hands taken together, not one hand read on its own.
11:43
